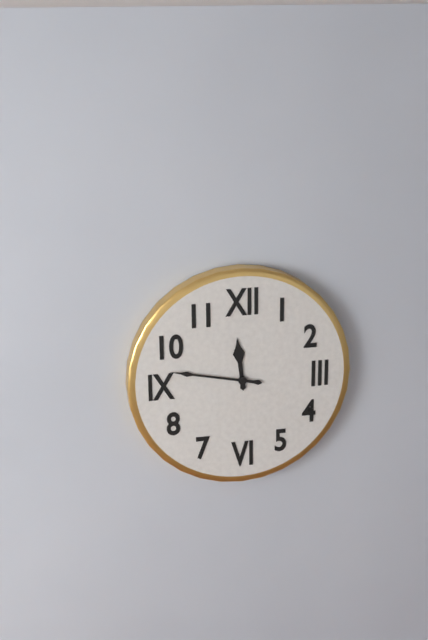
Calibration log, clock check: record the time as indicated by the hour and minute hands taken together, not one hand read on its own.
11:47
